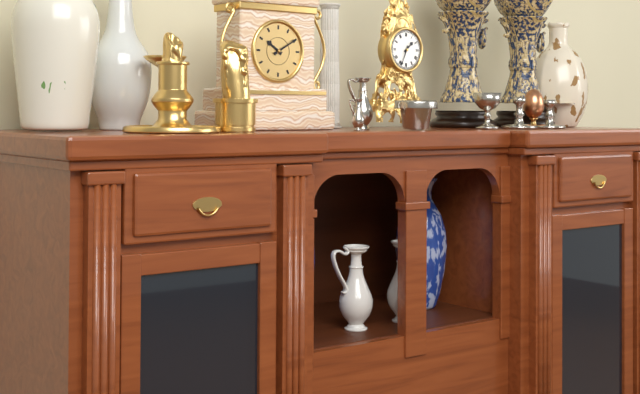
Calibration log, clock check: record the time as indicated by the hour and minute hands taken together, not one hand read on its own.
1:34
